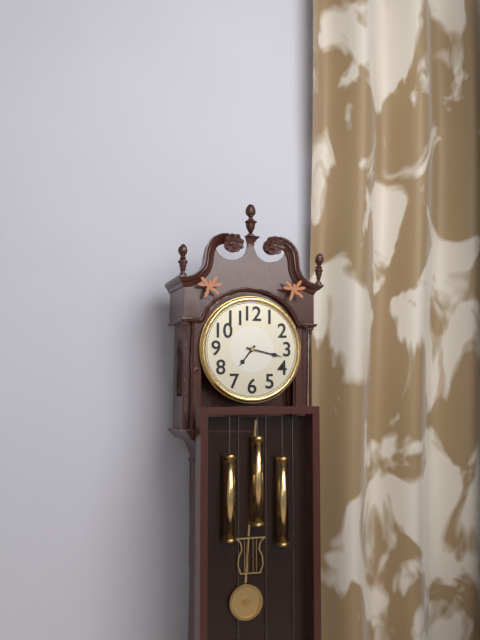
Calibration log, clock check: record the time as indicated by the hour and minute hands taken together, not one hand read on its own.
7:17
